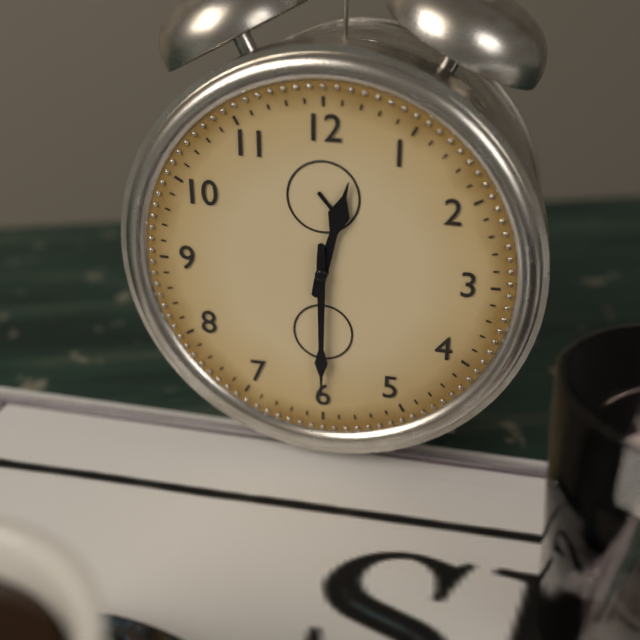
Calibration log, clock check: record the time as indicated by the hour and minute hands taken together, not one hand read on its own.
12:30
